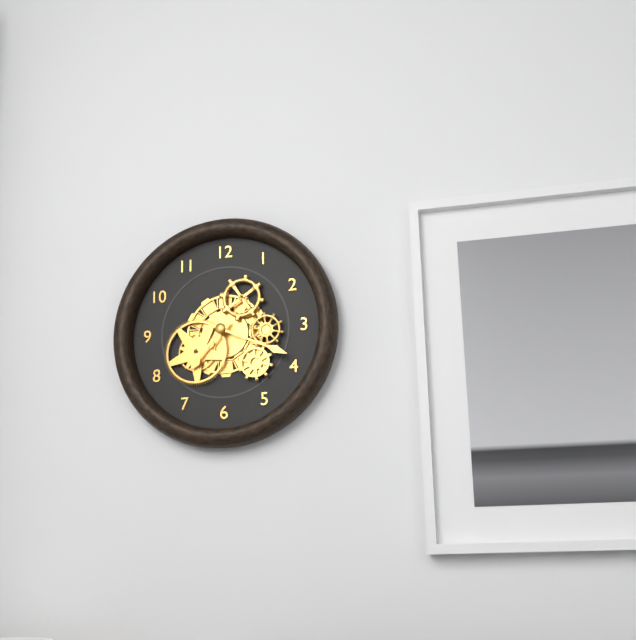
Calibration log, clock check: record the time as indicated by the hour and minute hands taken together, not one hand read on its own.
7:19
